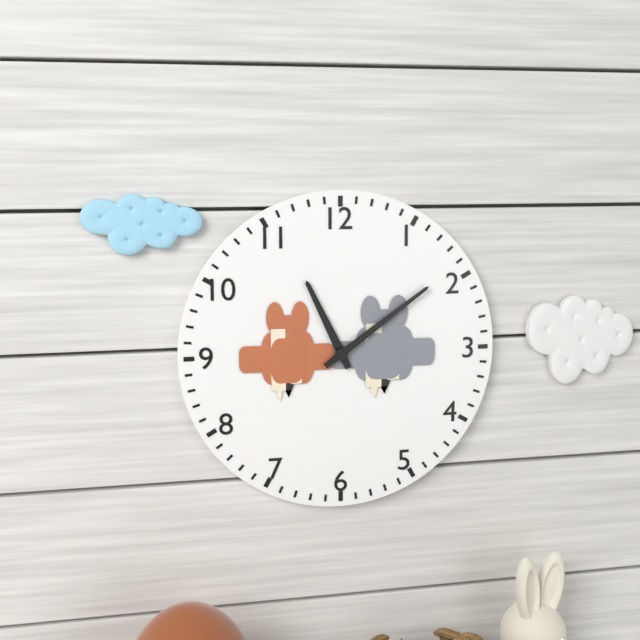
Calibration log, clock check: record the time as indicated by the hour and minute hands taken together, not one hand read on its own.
11:09
